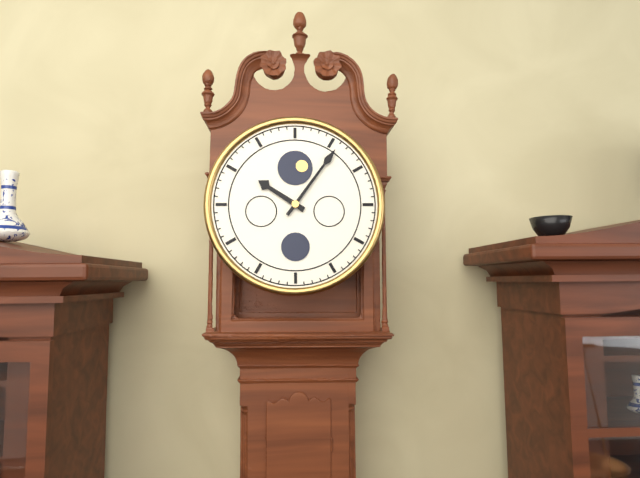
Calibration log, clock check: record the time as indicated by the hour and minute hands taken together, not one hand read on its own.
10:06
